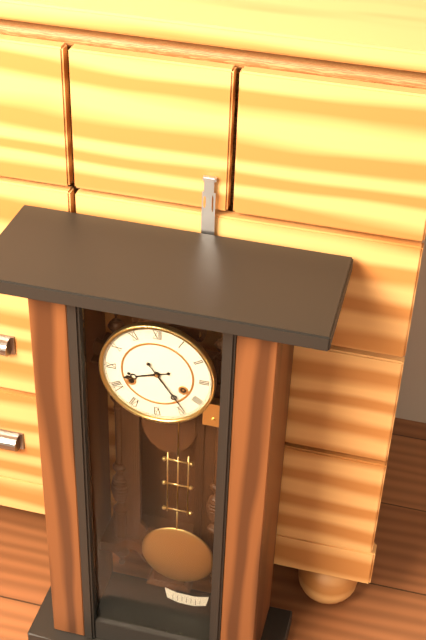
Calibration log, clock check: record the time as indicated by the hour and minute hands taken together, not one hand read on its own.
8:24
